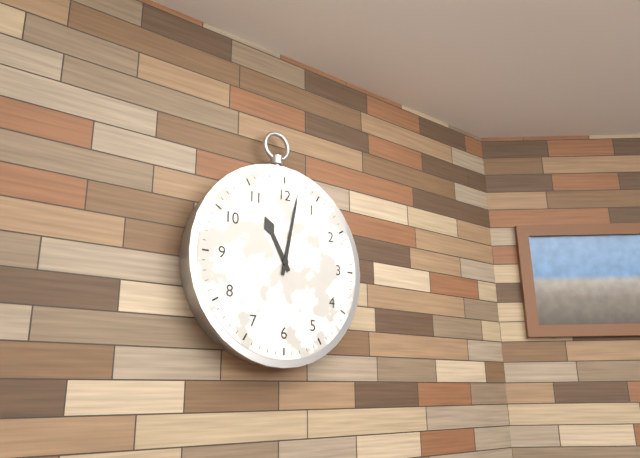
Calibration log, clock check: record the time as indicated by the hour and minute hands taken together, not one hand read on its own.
11:02
